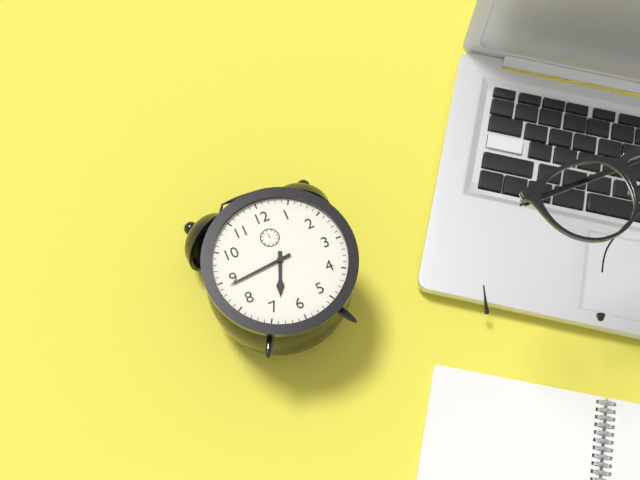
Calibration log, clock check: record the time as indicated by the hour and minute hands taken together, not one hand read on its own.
6:44
